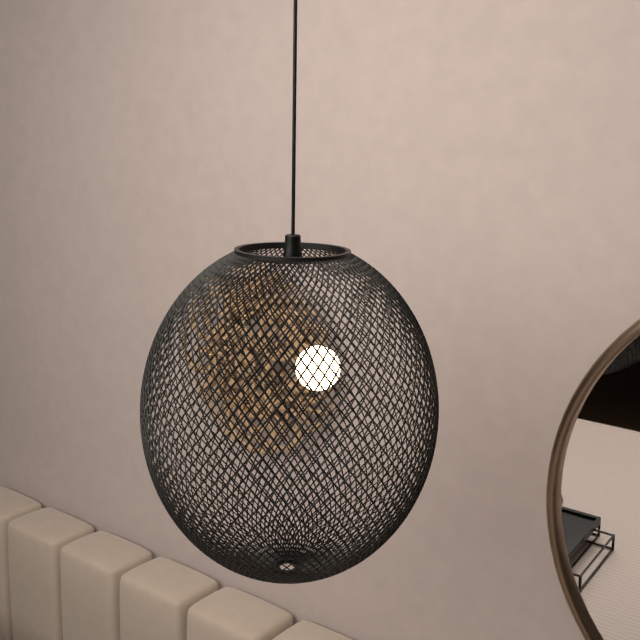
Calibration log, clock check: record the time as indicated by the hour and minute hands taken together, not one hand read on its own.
3:56
